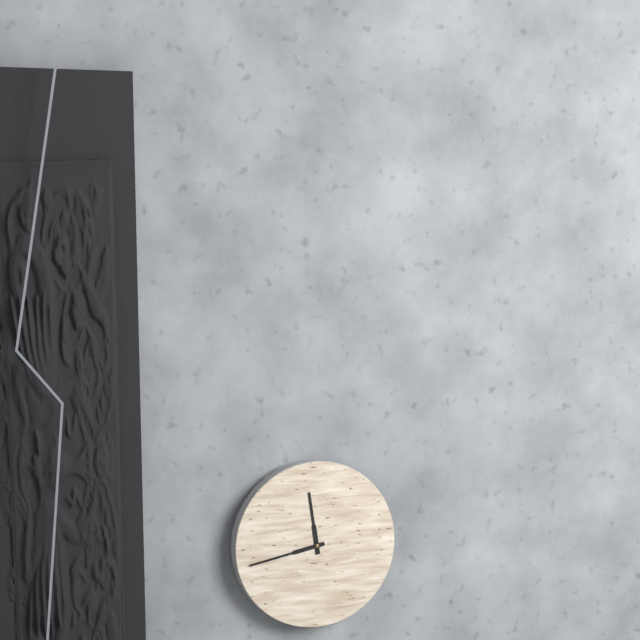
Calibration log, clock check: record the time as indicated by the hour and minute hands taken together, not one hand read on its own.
11:43
